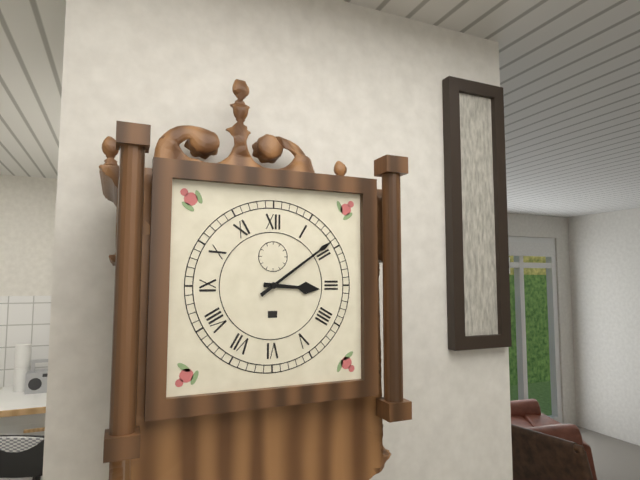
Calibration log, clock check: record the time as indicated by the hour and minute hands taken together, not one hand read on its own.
3:09
